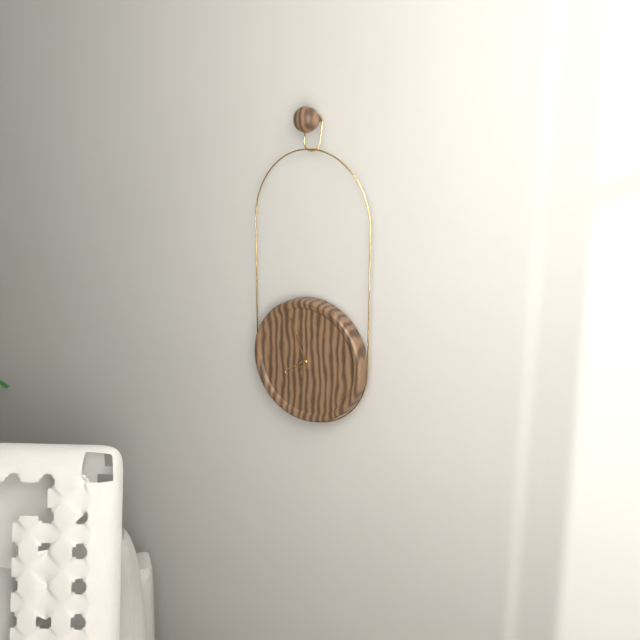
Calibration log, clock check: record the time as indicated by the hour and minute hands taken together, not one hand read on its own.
7:56
